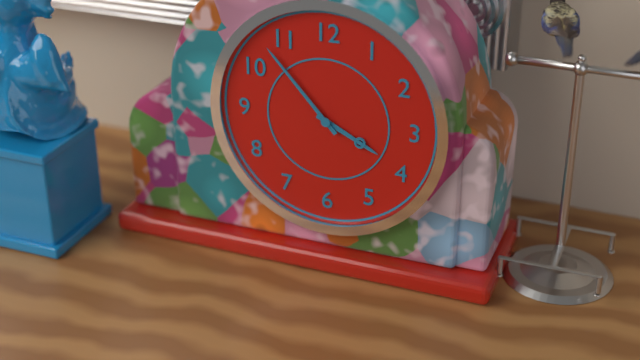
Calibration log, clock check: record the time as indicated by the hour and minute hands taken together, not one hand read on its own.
3:53
